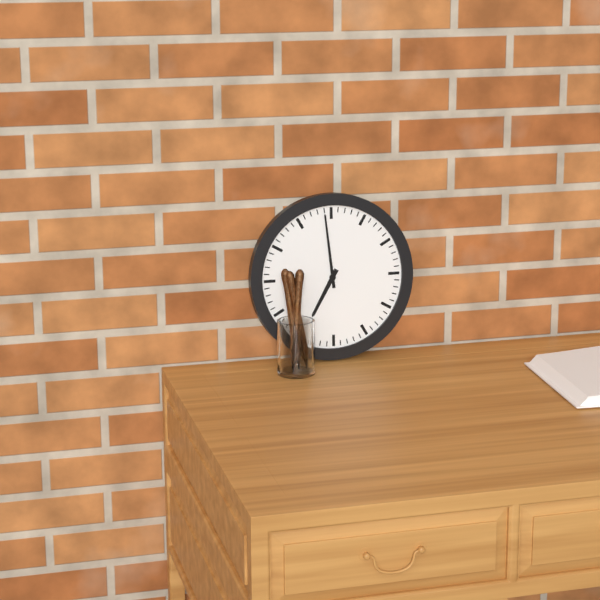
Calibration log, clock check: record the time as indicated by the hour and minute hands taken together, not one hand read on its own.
6:59
